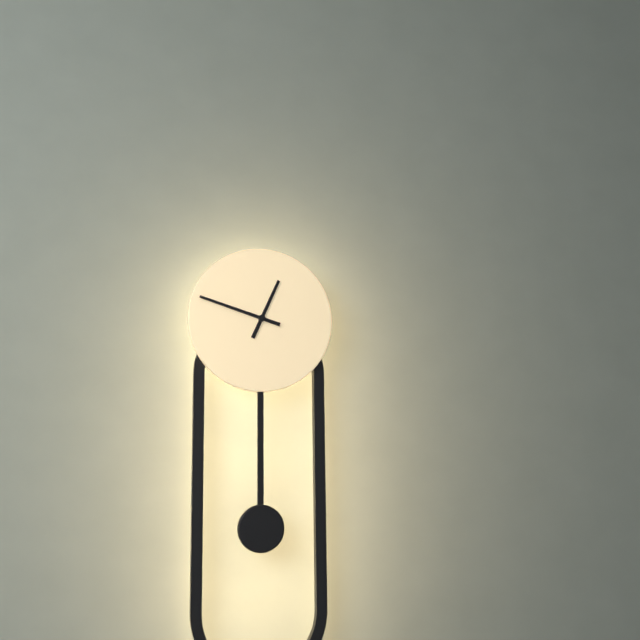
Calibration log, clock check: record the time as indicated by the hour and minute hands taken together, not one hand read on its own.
12:48
